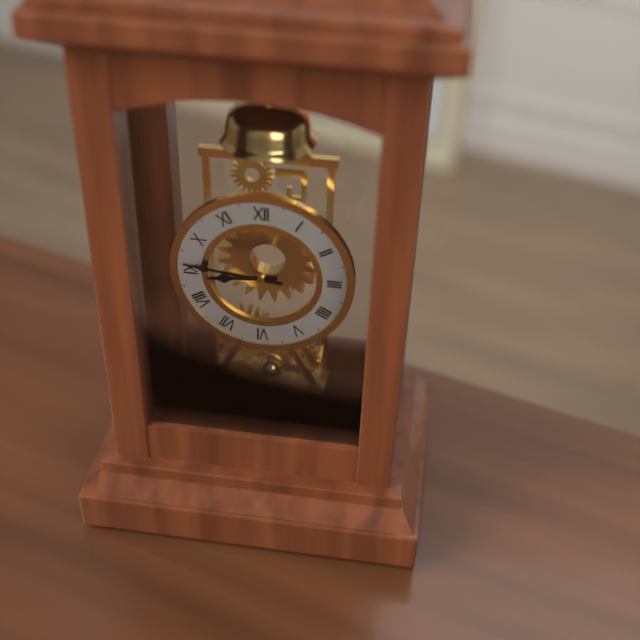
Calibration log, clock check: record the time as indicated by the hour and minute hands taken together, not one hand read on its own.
8:46
